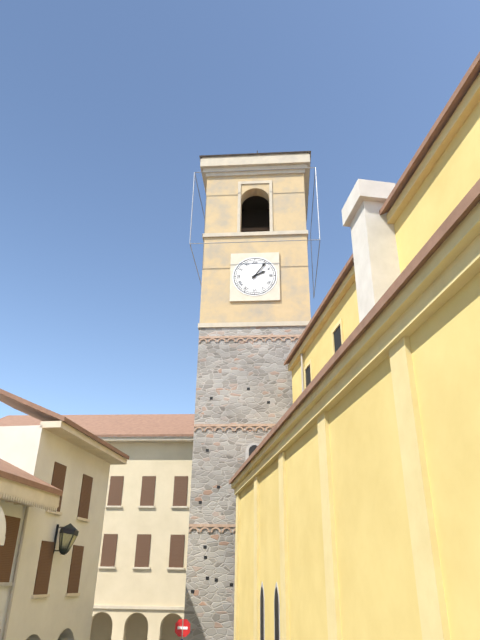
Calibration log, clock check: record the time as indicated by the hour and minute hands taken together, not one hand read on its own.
2:06
